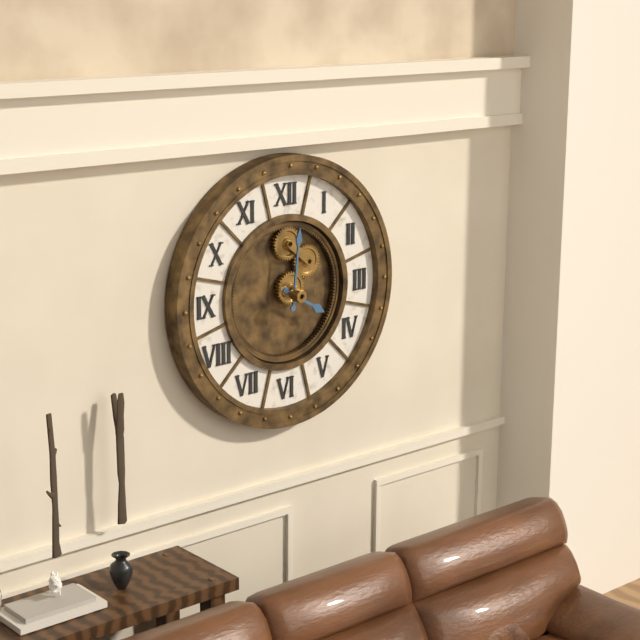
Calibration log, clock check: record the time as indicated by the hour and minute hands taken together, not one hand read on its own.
4:01
